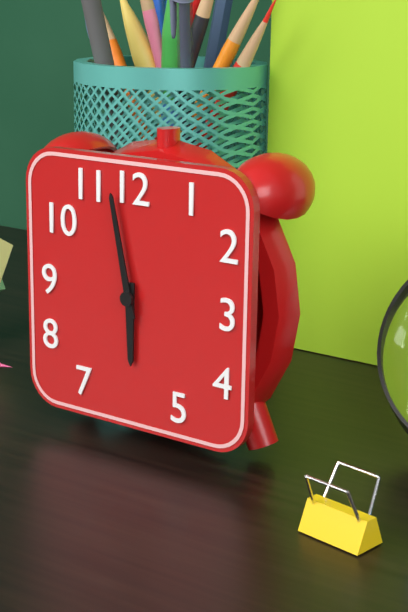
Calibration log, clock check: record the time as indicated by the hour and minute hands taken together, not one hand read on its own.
5:58
